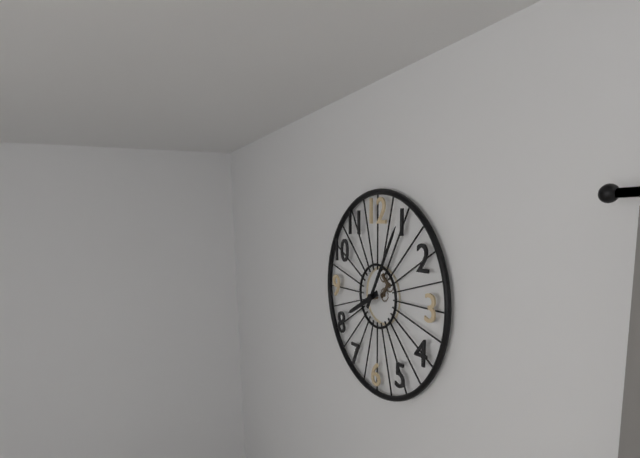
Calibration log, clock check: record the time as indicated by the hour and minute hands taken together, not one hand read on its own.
8:05
